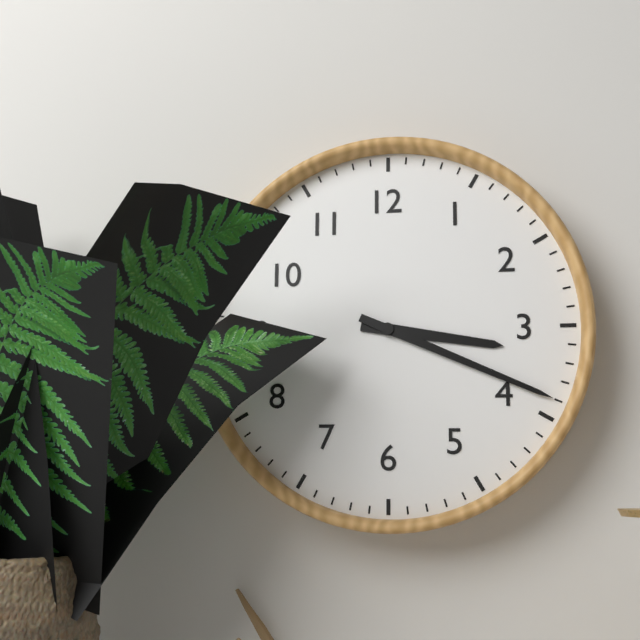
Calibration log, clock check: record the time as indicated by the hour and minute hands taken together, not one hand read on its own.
3:19
